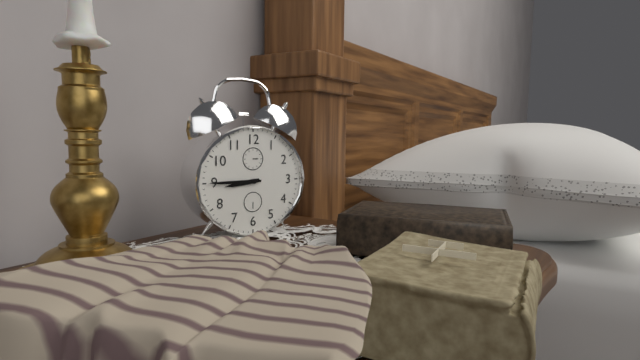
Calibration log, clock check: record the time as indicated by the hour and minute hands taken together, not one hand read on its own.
8:45
